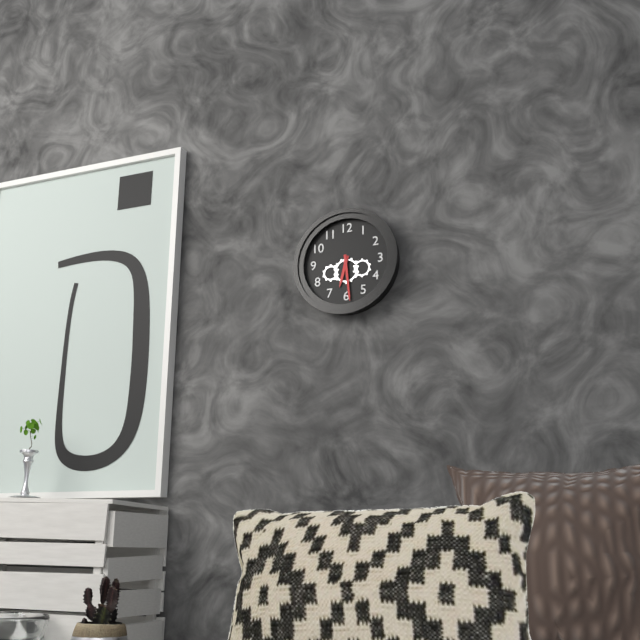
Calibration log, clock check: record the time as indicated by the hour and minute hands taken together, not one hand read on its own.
6:29
